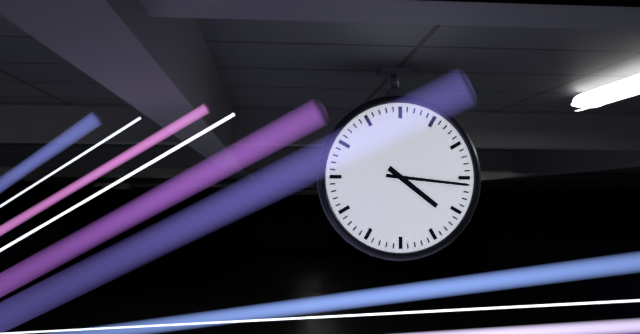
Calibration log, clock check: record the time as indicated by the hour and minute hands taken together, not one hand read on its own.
4:16
